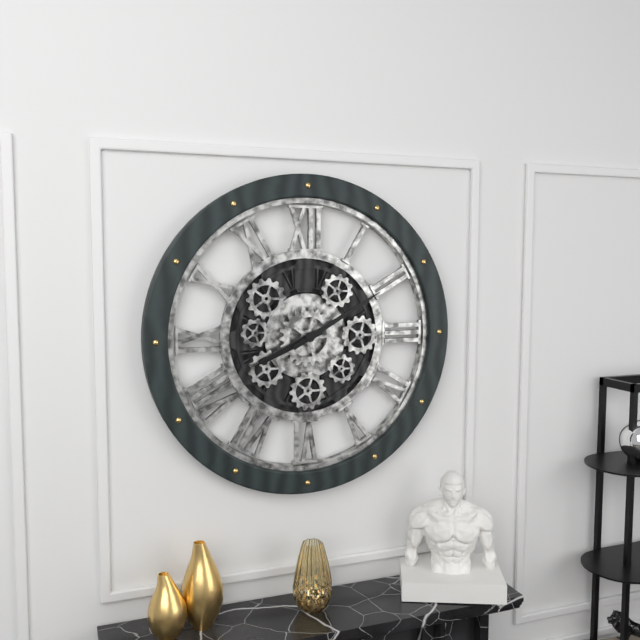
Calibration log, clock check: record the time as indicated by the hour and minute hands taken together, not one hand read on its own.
8:10
